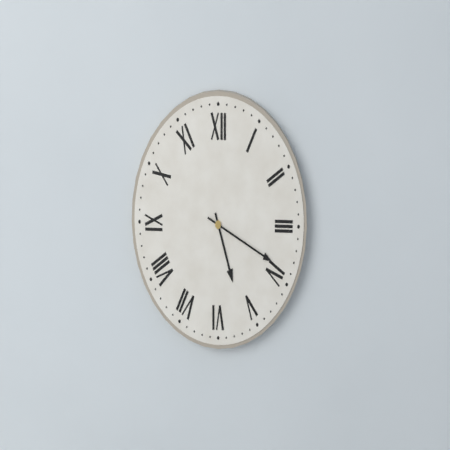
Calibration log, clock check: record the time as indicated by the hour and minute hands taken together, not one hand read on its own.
5:19
